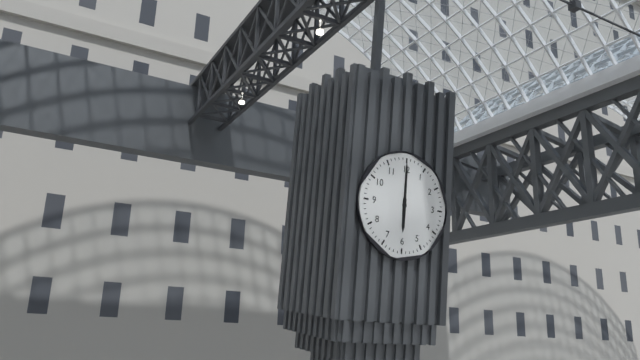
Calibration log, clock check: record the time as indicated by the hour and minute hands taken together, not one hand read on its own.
6:00
